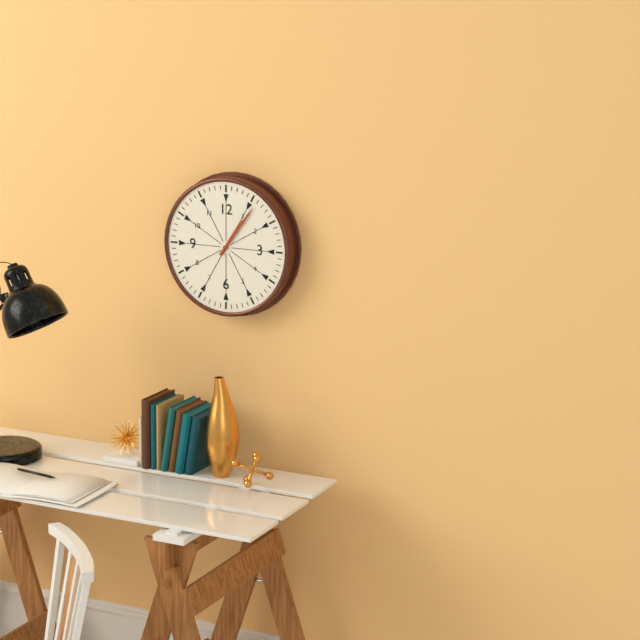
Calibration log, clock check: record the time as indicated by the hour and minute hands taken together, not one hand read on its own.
1:06
